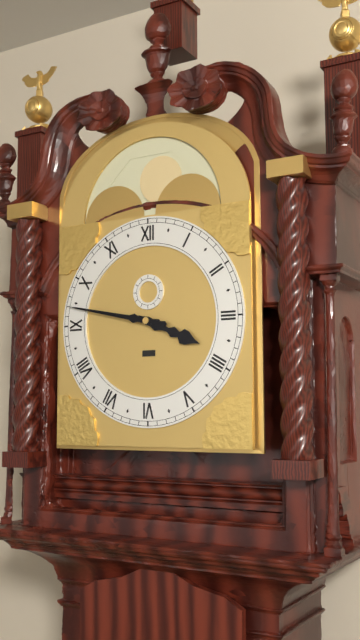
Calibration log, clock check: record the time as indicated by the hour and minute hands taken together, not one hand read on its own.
3:47
